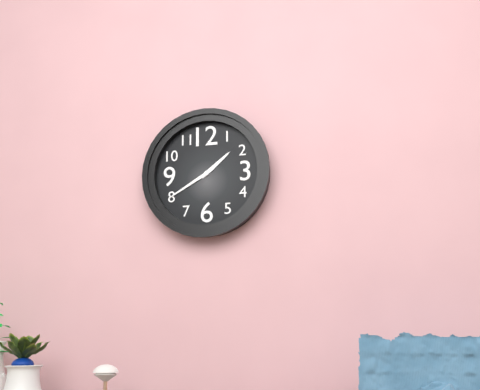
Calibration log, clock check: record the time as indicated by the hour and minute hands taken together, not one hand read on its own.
1:40
